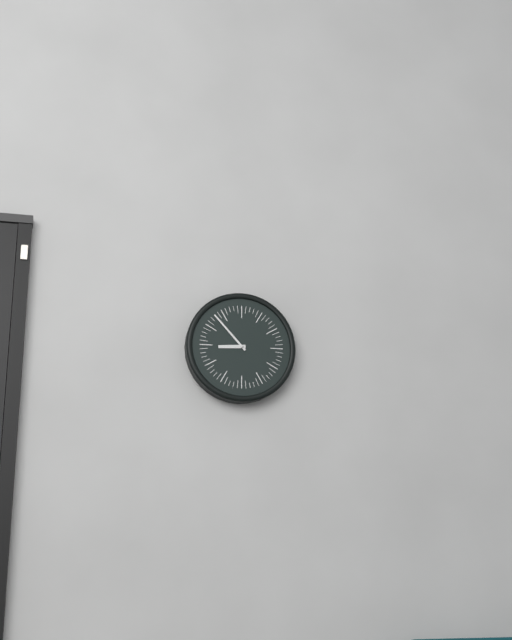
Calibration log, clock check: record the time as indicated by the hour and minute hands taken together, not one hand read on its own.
8:53
